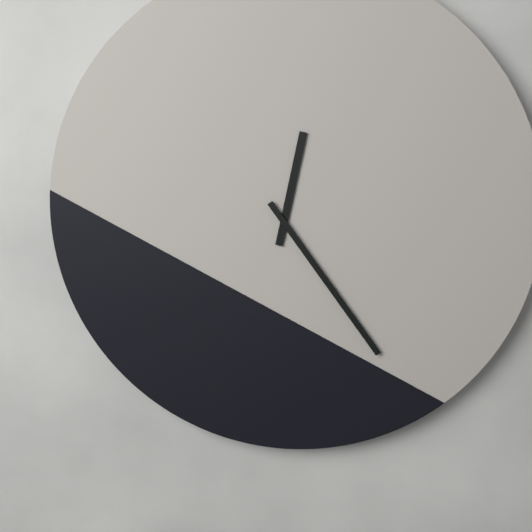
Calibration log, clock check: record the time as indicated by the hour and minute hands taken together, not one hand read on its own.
12:24
